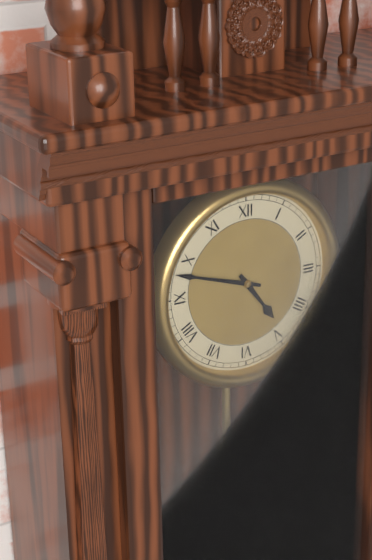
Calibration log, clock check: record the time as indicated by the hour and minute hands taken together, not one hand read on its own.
4:48
